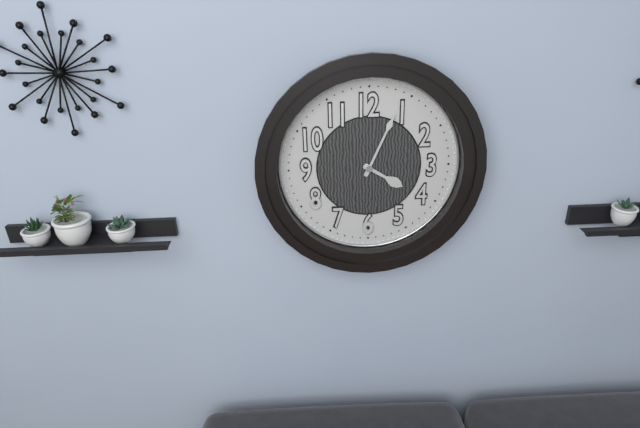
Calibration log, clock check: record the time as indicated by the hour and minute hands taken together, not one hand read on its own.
4:04
